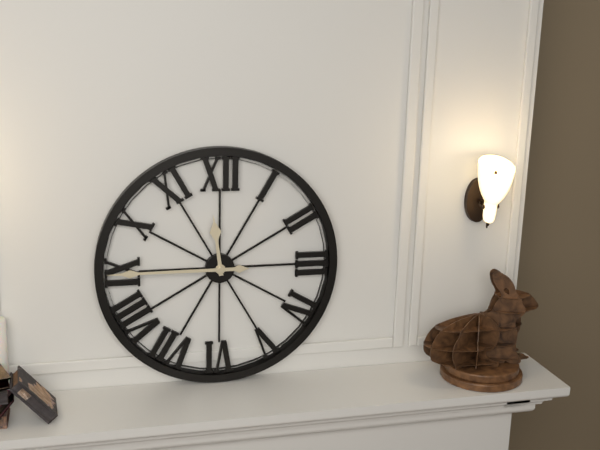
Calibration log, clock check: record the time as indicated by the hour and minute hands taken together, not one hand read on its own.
11:45
